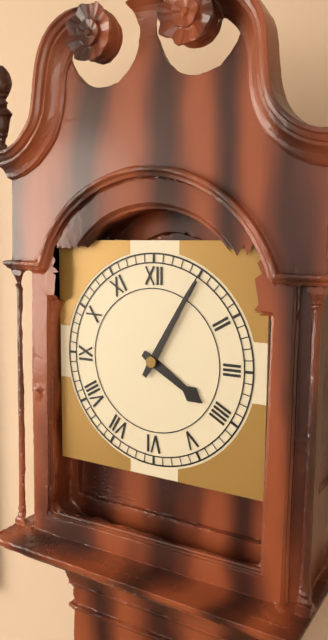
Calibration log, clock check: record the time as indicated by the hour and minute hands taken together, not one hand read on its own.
4:05
